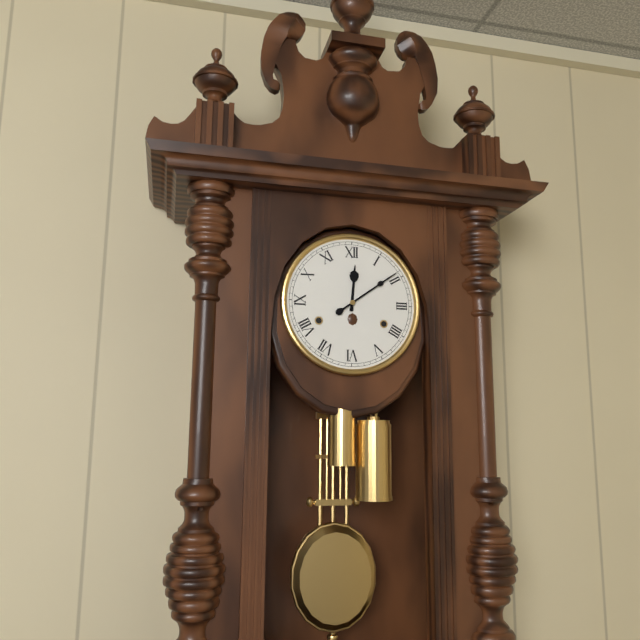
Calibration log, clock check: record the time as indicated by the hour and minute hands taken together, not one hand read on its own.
12:09
